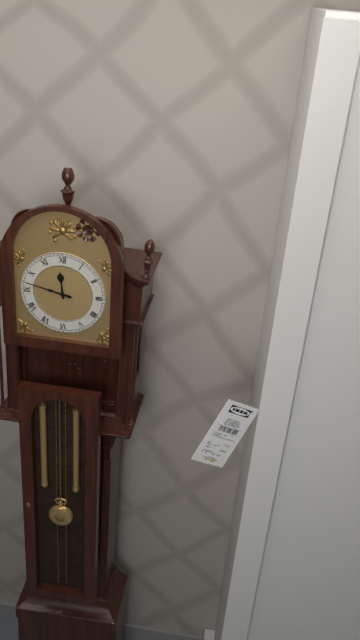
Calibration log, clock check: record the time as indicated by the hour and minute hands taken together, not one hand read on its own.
11:47
